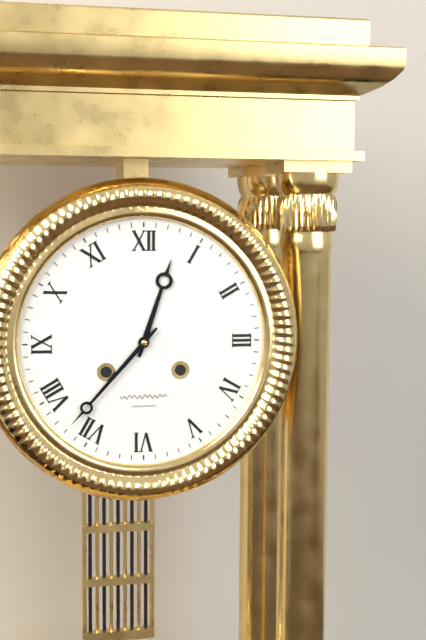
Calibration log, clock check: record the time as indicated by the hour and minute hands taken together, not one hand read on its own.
12:37
